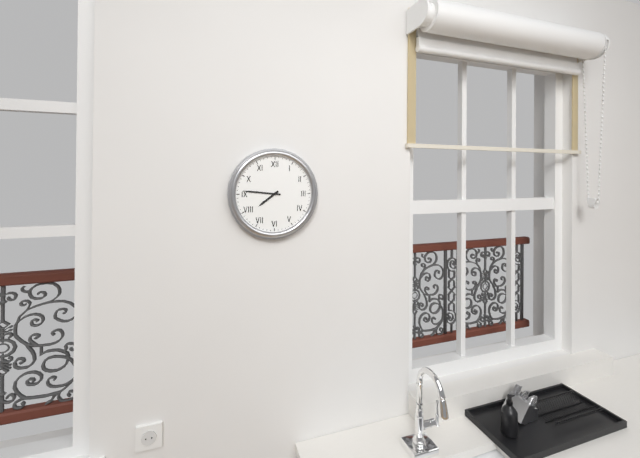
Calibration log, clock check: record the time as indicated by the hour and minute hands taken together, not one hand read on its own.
7:46
